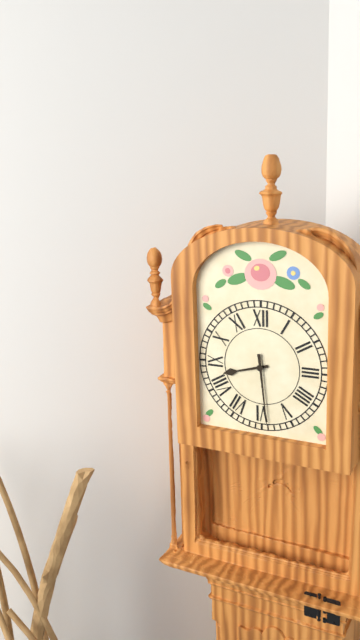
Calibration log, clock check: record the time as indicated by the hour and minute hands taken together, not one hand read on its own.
8:29
